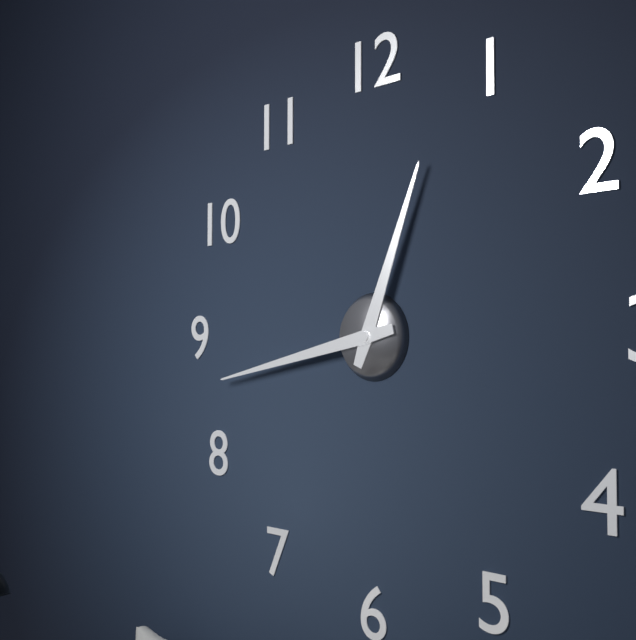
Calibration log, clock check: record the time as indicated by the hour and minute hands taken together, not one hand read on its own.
12:43
